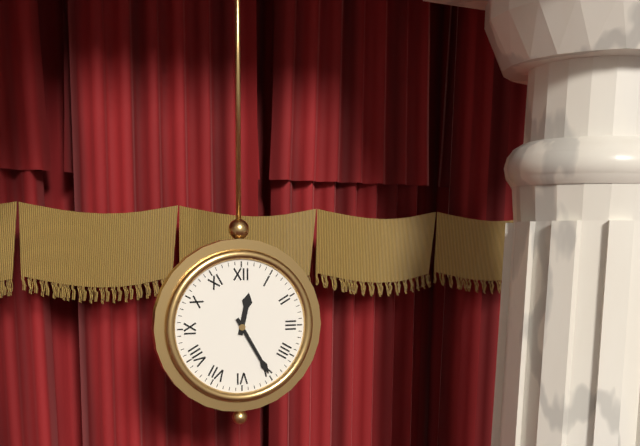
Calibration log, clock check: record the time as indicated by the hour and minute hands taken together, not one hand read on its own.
12:25
